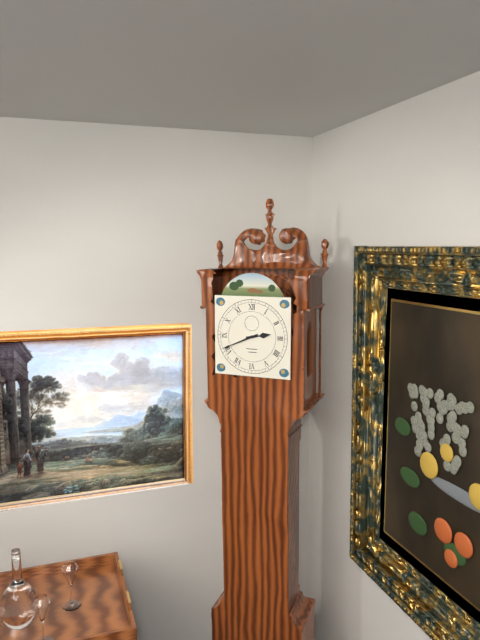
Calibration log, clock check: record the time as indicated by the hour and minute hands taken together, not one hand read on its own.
2:41
